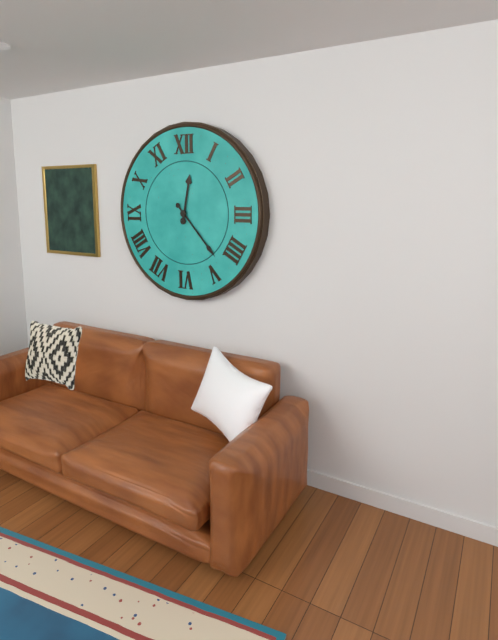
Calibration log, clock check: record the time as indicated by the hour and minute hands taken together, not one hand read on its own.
12:23
